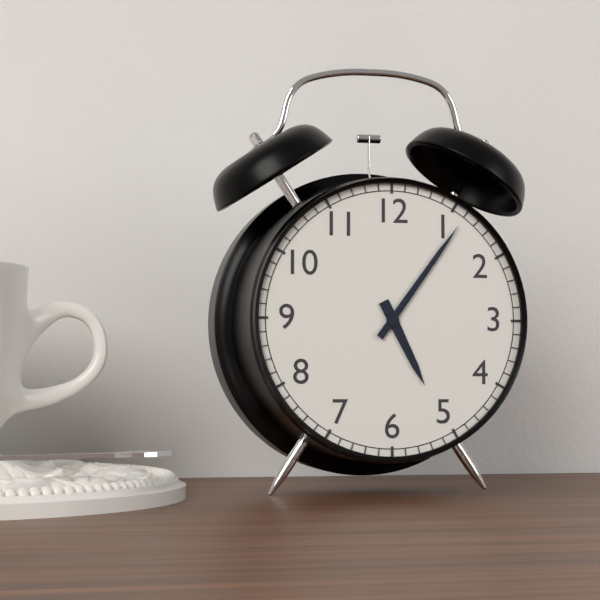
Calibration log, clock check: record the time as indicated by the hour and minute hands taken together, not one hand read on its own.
5:06
